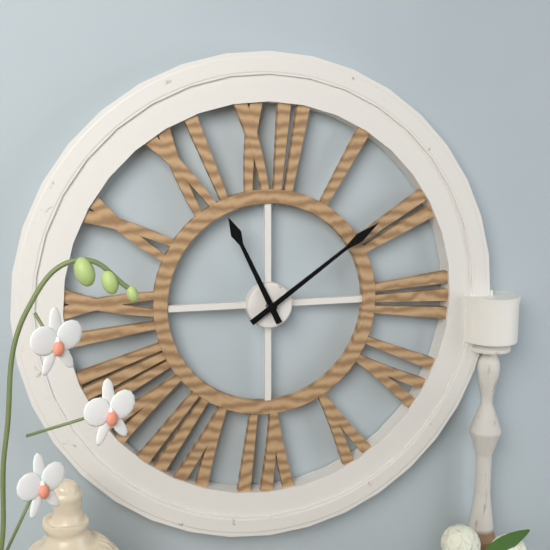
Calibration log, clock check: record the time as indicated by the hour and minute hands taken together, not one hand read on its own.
11:09
